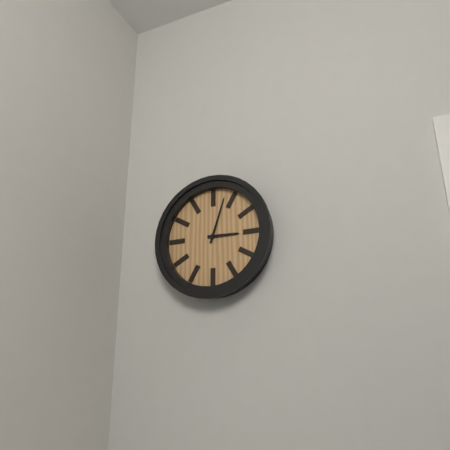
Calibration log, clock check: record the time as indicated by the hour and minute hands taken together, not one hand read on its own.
3:03
